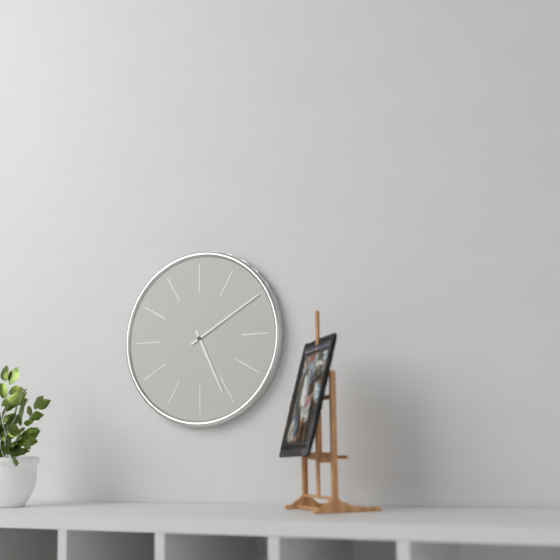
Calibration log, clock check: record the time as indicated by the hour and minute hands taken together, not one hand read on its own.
5:10
